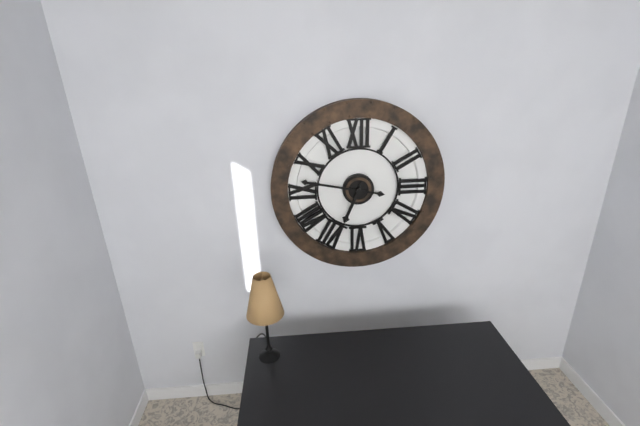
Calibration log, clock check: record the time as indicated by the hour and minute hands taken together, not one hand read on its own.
6:47
